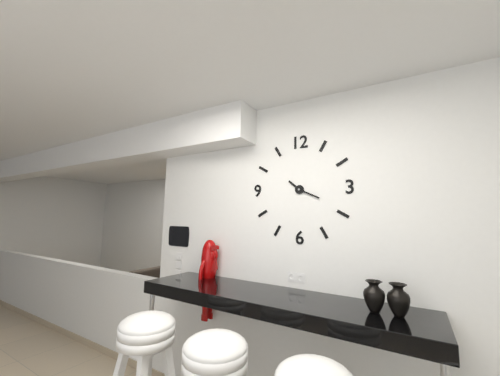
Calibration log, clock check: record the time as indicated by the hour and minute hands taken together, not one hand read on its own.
10:19
